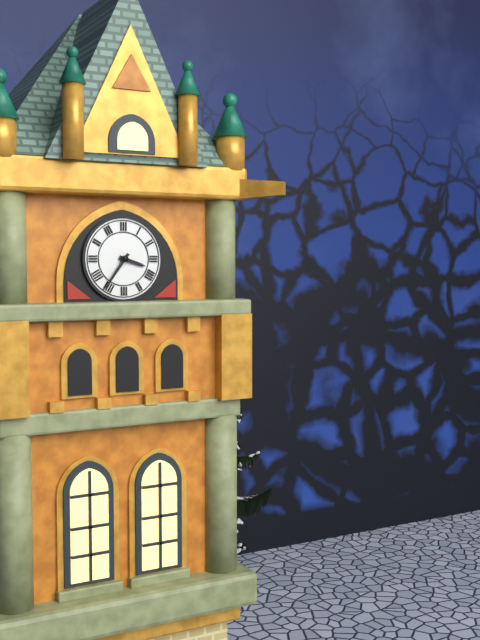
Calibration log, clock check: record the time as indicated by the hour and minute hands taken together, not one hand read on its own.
3:36
